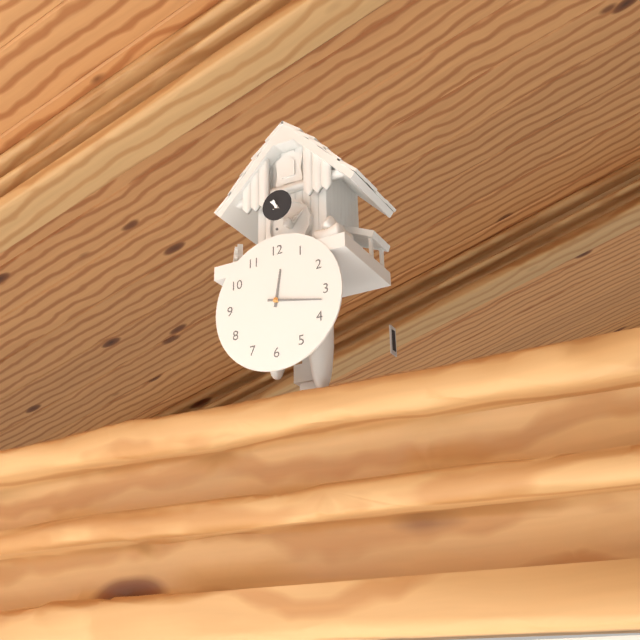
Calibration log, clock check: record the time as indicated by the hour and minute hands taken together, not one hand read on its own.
12:17
